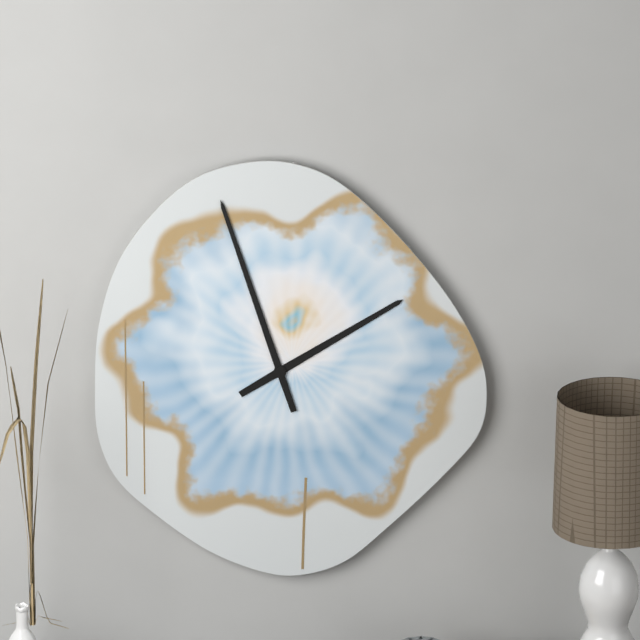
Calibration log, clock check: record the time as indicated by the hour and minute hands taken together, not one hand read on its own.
1:57
